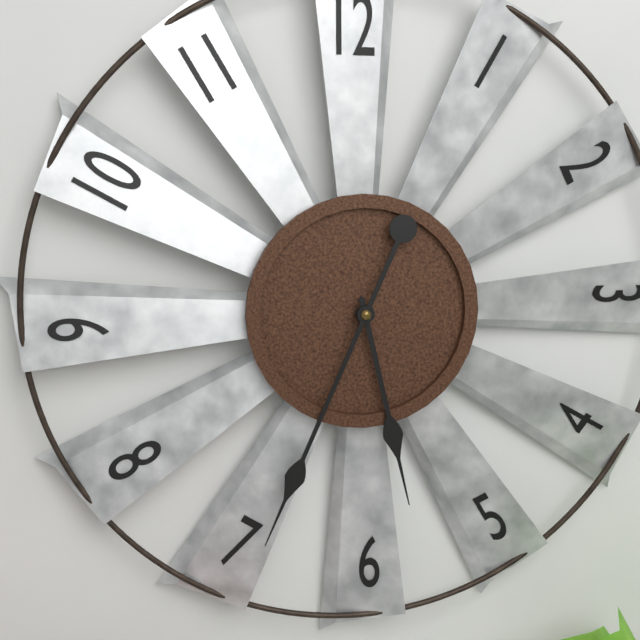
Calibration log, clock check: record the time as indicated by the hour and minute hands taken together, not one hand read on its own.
5:34
